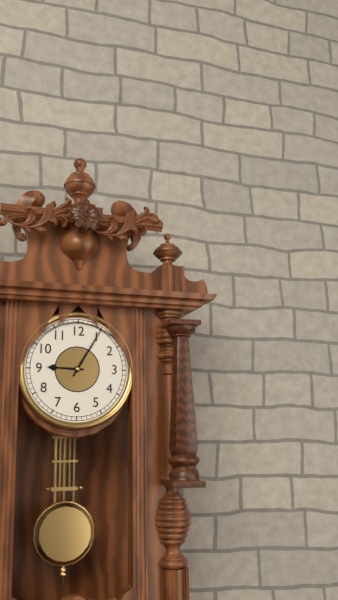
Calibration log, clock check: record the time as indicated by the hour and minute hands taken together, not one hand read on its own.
9:05
